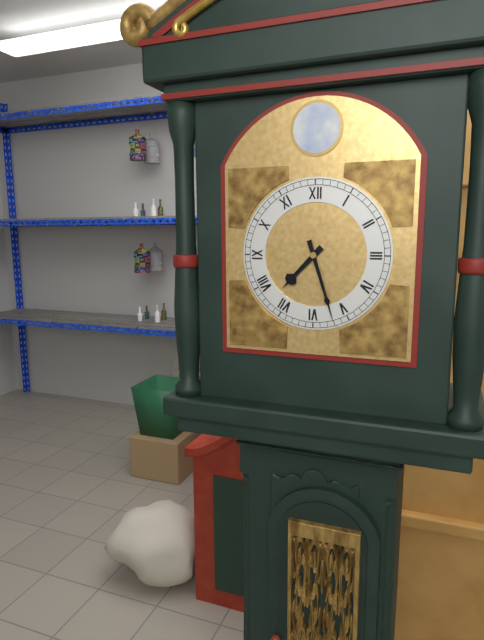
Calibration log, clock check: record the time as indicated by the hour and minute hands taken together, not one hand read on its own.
7:27
